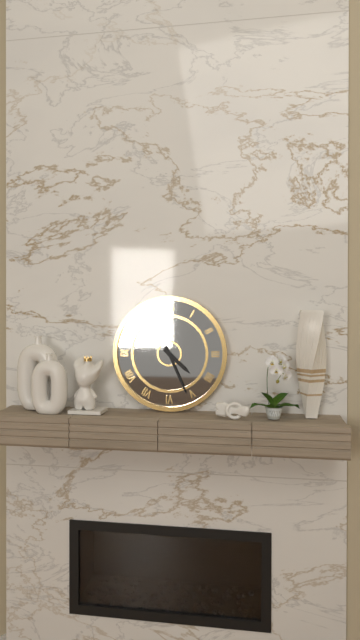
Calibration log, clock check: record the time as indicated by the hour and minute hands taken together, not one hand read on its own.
4:26
